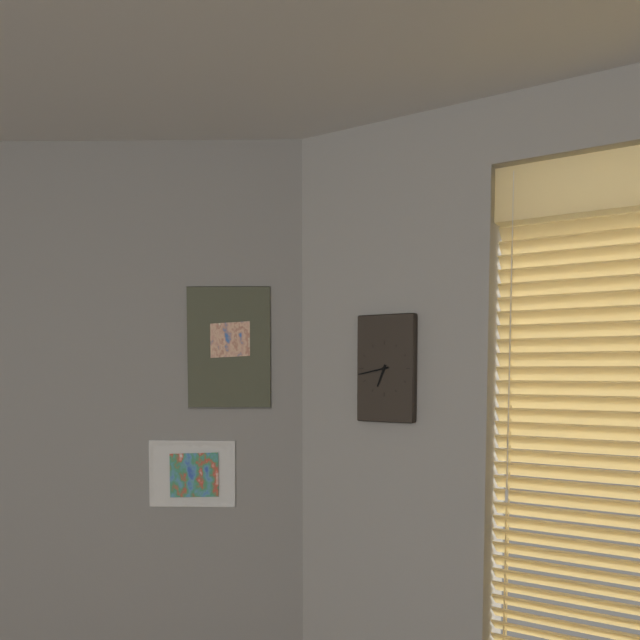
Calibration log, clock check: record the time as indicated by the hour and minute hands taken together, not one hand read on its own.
6:43
